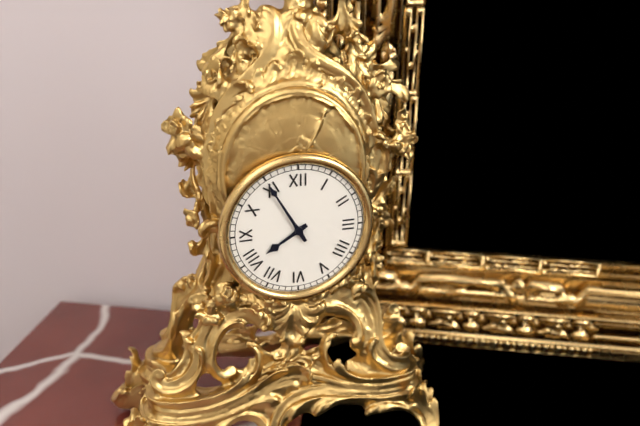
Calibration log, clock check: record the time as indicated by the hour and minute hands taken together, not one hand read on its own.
7:55
